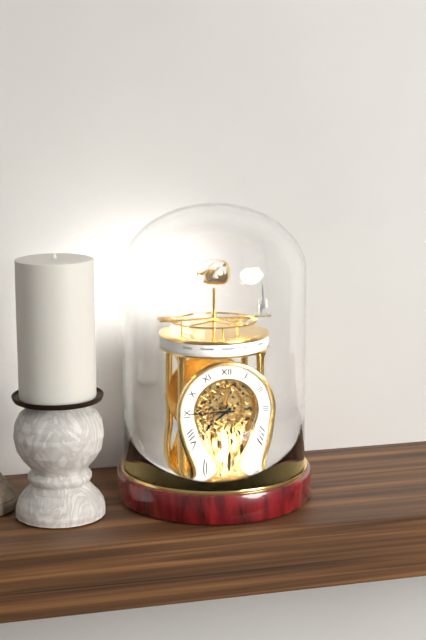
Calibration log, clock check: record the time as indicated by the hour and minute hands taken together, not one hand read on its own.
7:45
